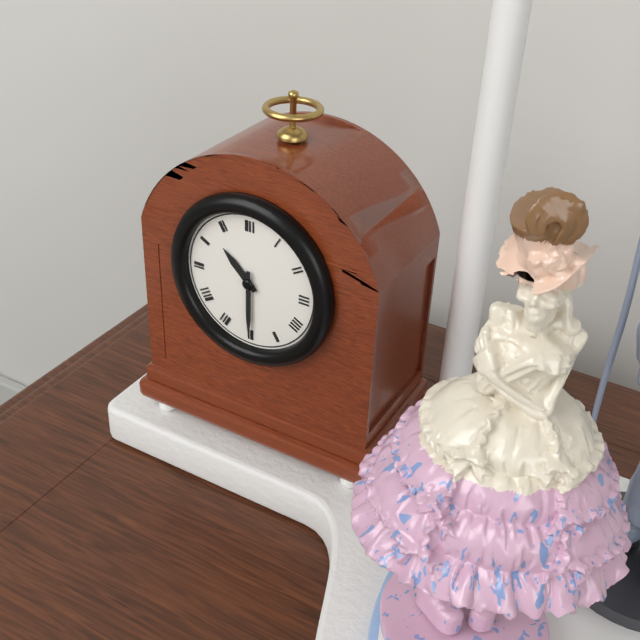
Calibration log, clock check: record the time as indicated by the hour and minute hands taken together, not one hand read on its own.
10:30
